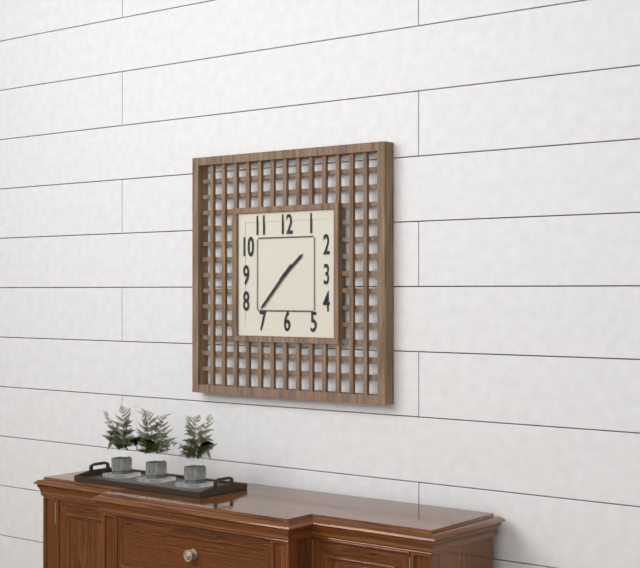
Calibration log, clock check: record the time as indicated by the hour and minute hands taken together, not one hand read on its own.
1:37
